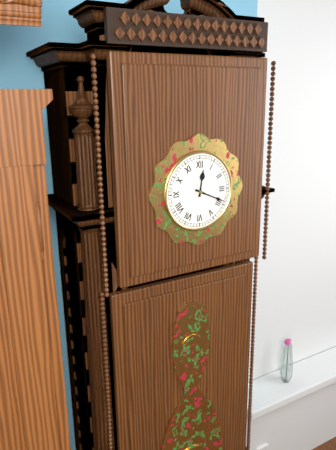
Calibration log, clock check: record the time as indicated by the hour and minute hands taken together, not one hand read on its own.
12:19
